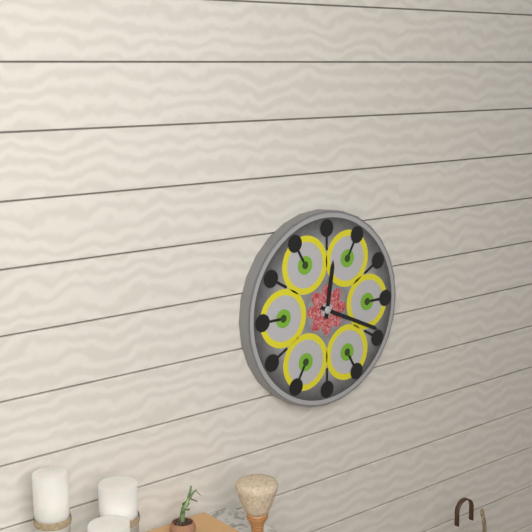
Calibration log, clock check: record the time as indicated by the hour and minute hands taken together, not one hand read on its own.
12:19
